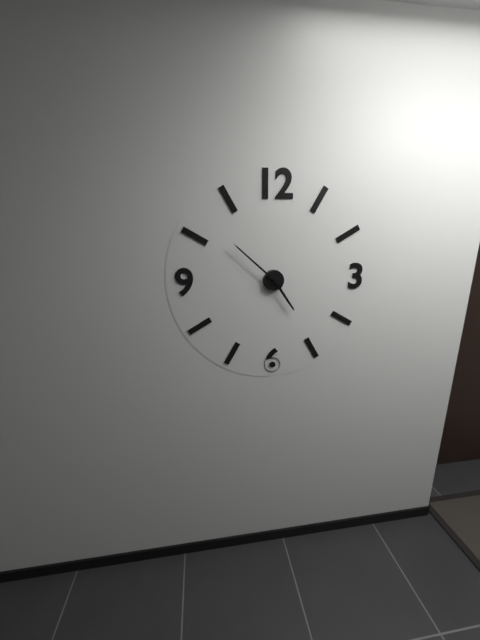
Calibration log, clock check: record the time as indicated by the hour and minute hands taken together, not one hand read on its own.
4:52
